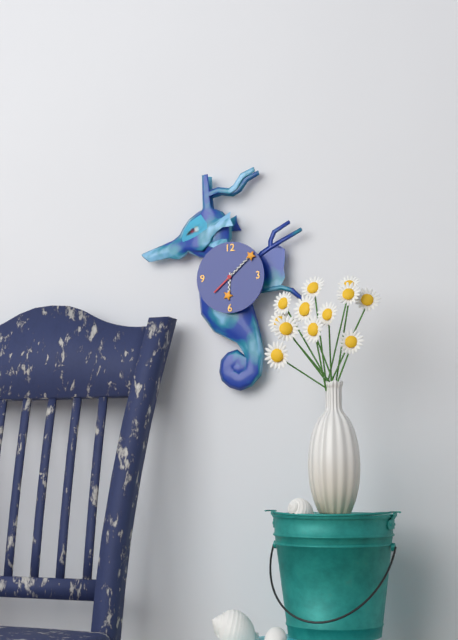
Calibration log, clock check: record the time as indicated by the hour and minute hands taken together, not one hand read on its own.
6:08
